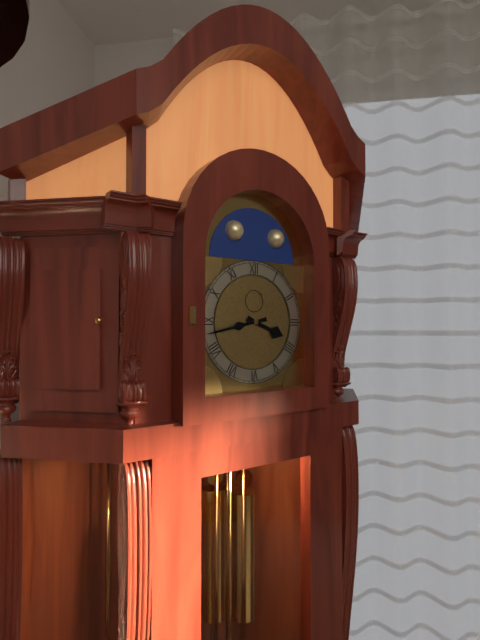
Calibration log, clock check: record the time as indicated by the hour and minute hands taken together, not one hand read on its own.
3:43
